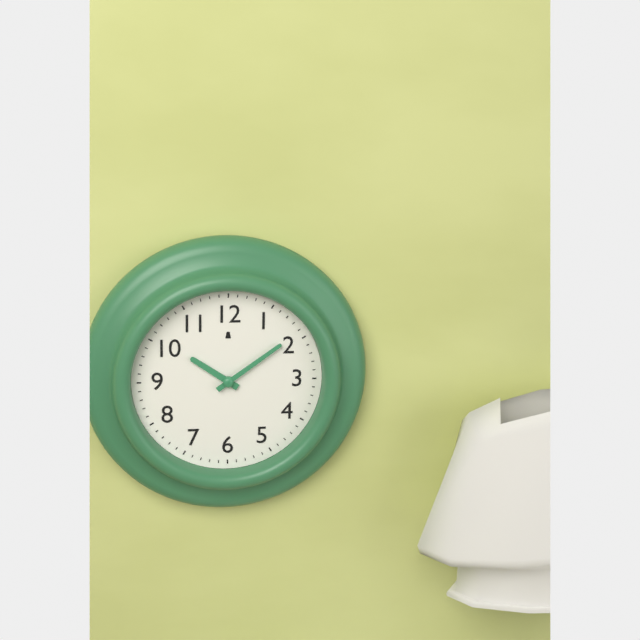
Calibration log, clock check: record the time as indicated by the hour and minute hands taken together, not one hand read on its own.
10:09
